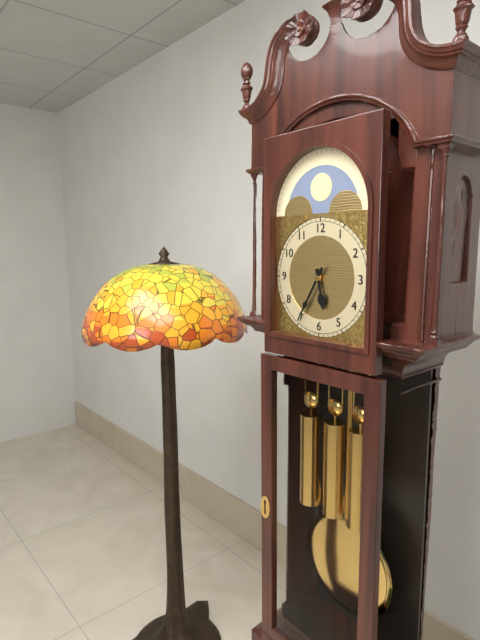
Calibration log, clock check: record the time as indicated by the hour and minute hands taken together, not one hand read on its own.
5:35
